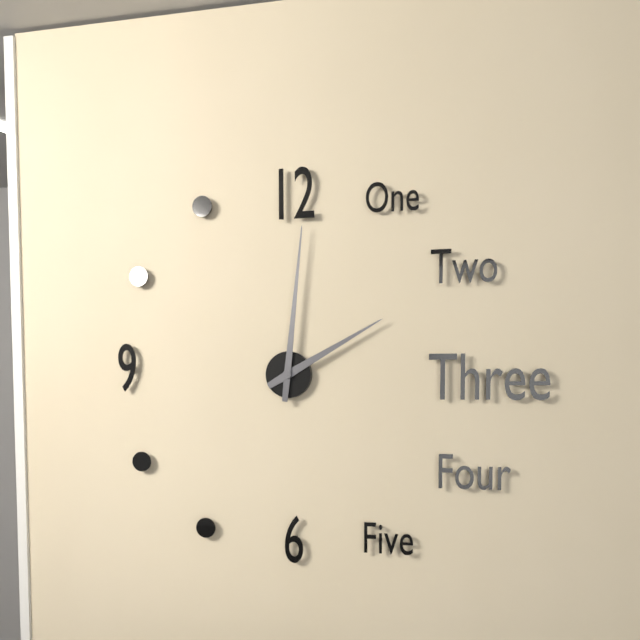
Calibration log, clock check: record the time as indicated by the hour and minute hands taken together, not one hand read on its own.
2:01
